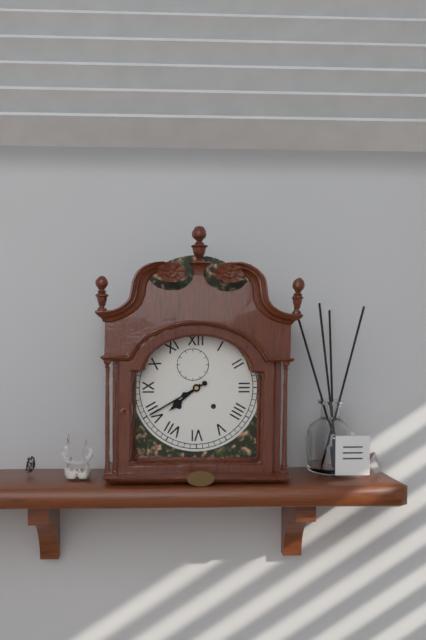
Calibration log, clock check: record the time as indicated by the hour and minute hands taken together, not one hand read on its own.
7:40
